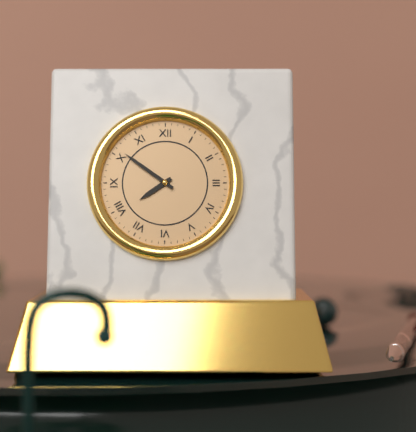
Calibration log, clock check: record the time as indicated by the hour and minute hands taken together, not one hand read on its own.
7:51
